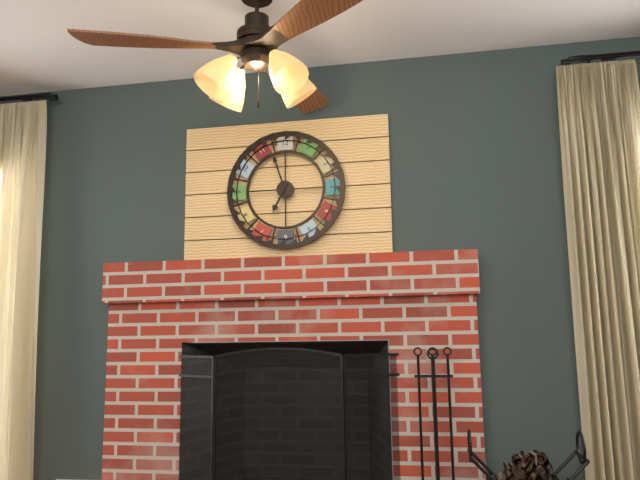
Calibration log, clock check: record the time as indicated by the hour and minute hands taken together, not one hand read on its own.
6:57
